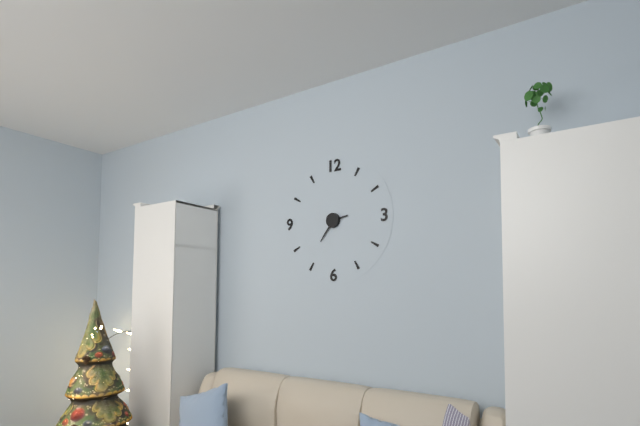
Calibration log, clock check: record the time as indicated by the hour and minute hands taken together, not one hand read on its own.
2:36
